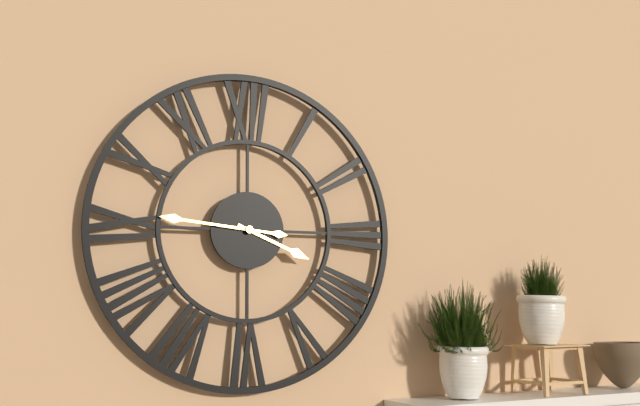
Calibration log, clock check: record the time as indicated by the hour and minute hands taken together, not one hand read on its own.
3:46
